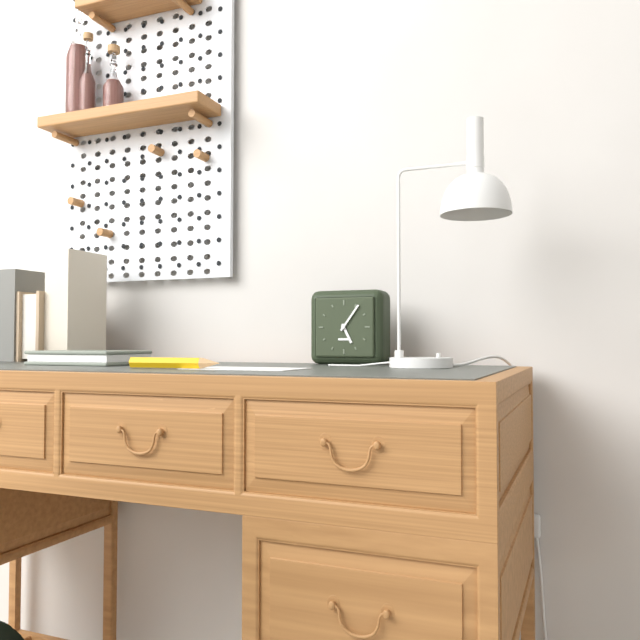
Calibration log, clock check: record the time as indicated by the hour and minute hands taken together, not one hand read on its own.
5:06
